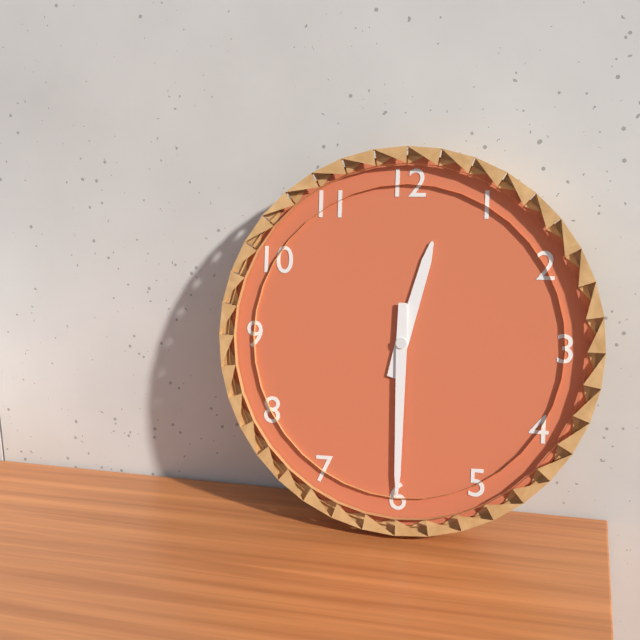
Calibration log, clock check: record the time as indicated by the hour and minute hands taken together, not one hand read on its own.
12:30
